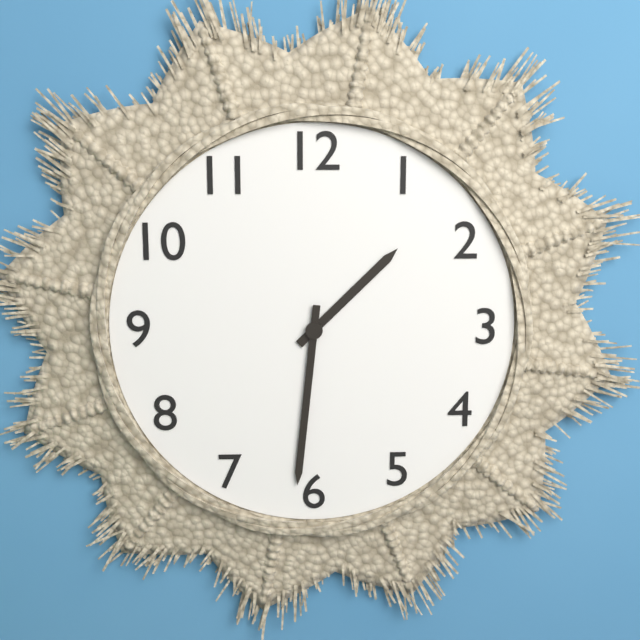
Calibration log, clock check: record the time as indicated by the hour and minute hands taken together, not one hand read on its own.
1:31
